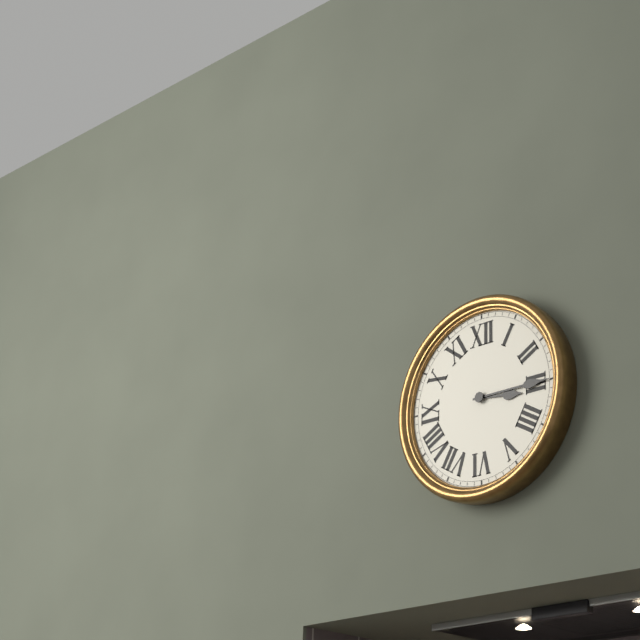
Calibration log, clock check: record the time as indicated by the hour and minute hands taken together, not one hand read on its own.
3:15
